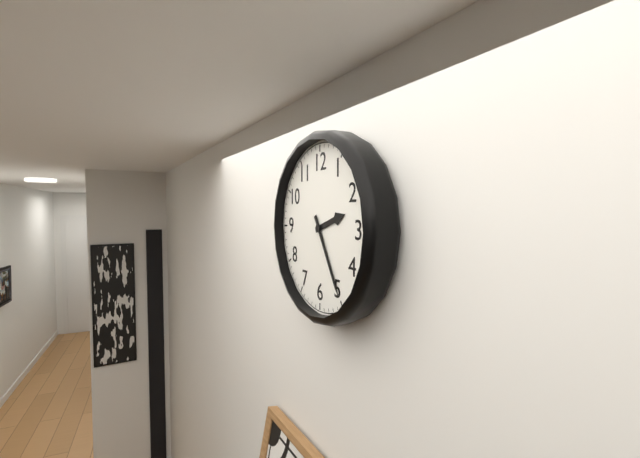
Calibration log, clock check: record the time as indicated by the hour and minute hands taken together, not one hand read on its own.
2:25
